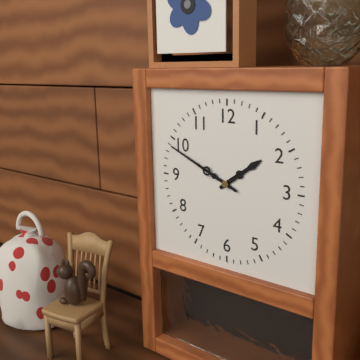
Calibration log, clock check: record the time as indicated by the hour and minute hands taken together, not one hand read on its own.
1:49
